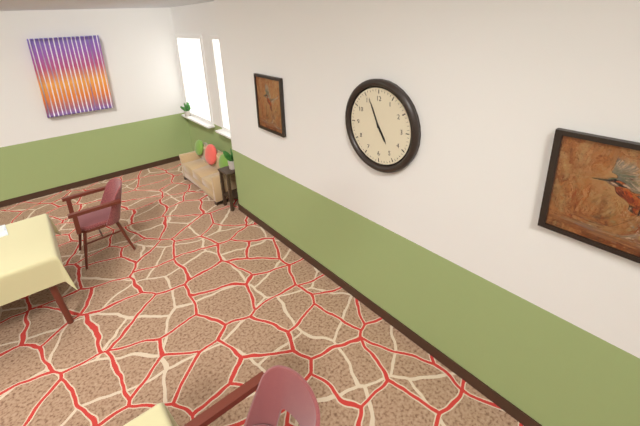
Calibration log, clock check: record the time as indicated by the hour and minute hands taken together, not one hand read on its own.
4:56
